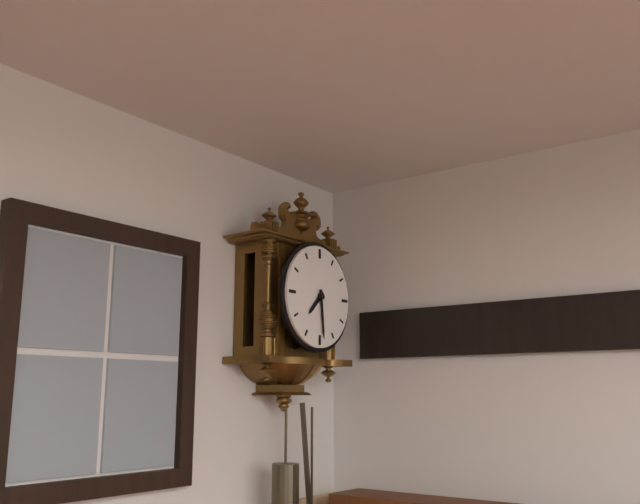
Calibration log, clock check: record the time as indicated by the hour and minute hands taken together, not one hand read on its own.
7:29
